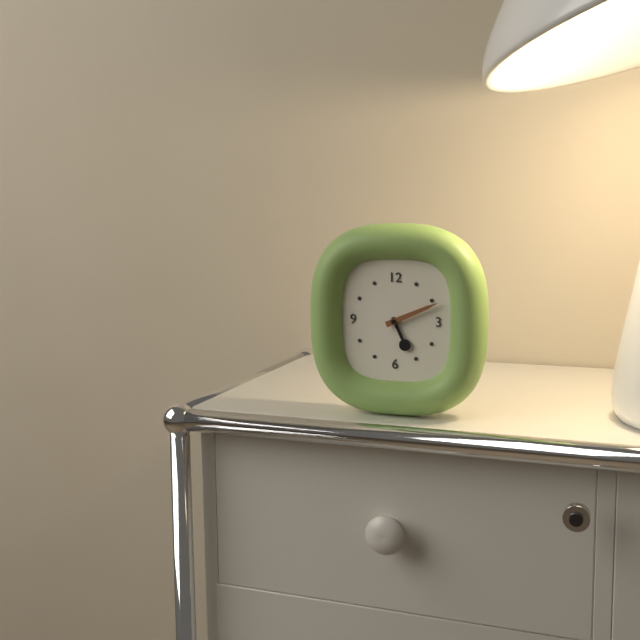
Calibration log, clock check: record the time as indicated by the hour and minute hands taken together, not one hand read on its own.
5:11
